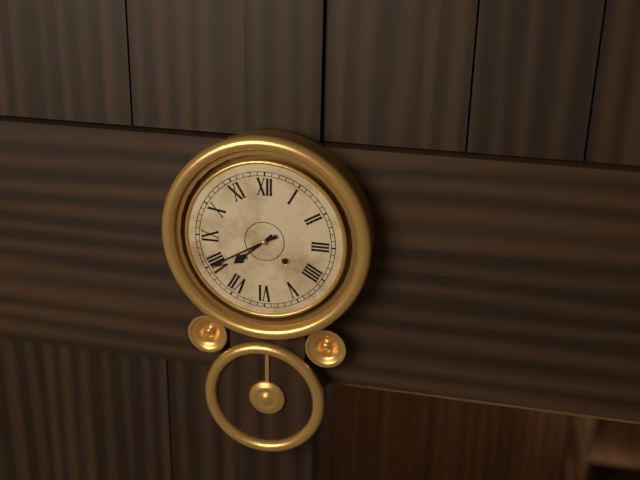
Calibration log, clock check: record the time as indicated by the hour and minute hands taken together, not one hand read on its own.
7:40
